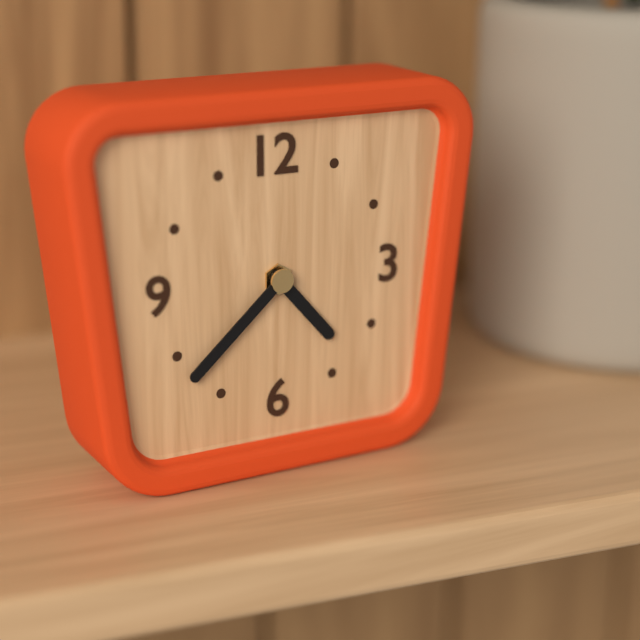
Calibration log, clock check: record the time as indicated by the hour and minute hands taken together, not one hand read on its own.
4:38
